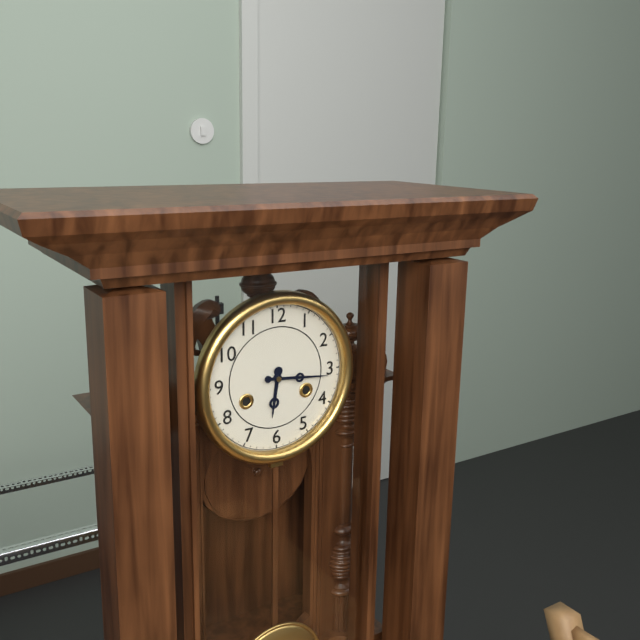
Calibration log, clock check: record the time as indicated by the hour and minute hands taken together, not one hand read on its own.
6:16
